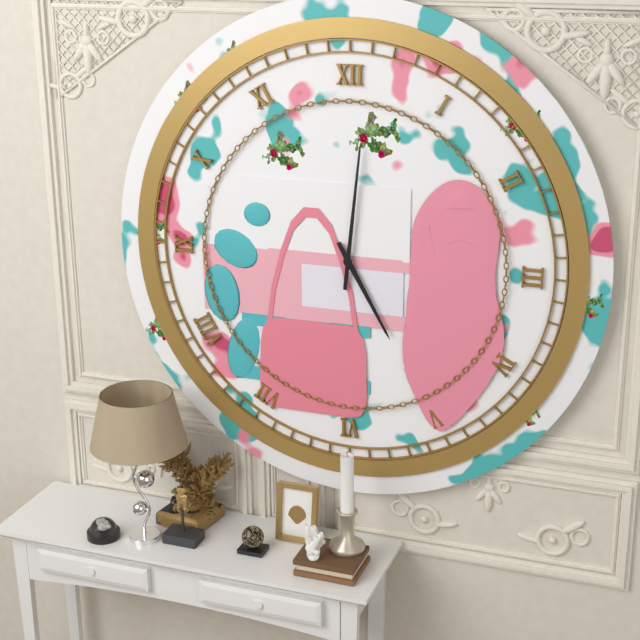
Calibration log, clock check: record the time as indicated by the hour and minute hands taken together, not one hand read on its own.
5:01
